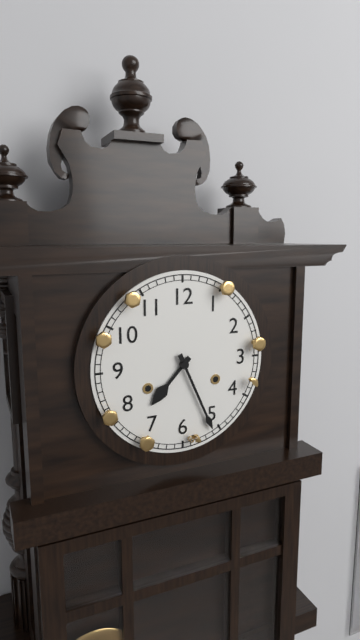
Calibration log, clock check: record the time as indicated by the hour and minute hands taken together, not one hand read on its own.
7:26
